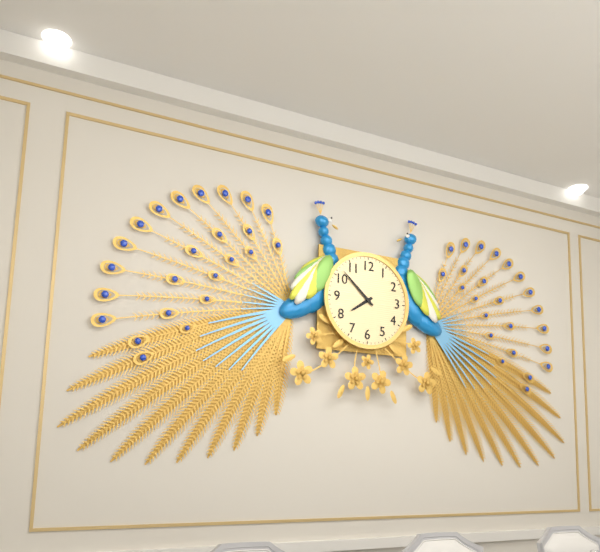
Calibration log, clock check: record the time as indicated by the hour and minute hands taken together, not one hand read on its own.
7:52
